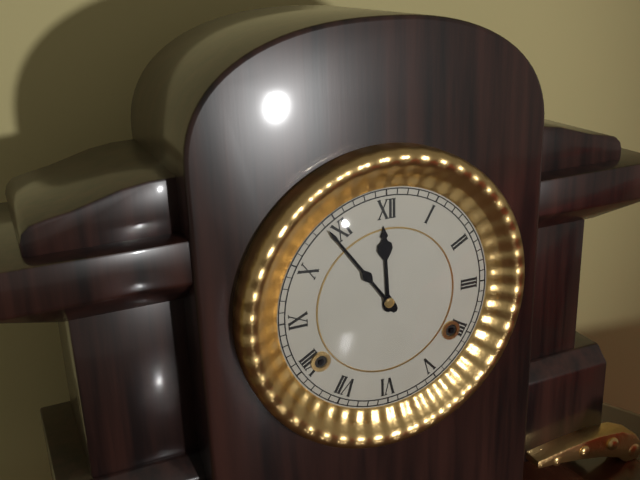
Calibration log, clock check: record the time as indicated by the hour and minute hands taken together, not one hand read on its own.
11:54
